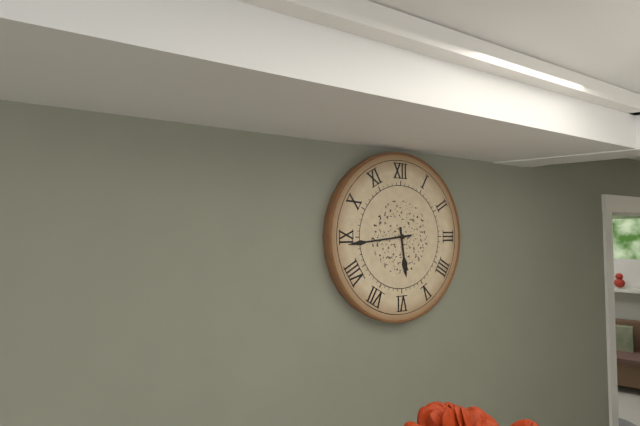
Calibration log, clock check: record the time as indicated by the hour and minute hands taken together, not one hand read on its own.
5:44
